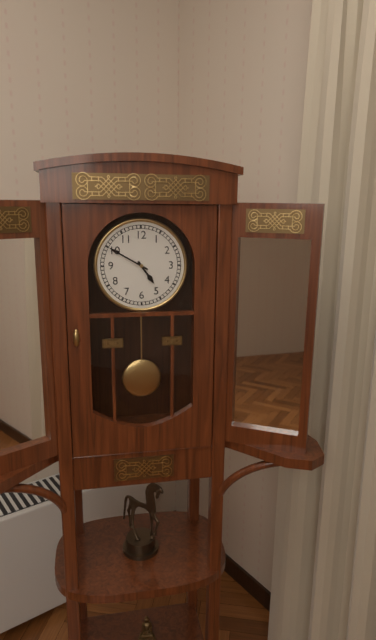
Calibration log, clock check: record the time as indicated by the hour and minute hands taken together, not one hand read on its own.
4:50
